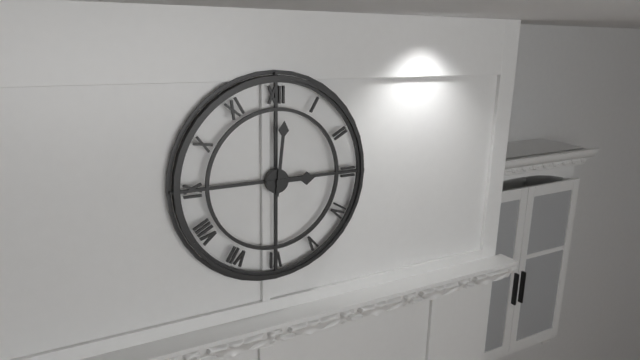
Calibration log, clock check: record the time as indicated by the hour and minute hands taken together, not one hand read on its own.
3:01
